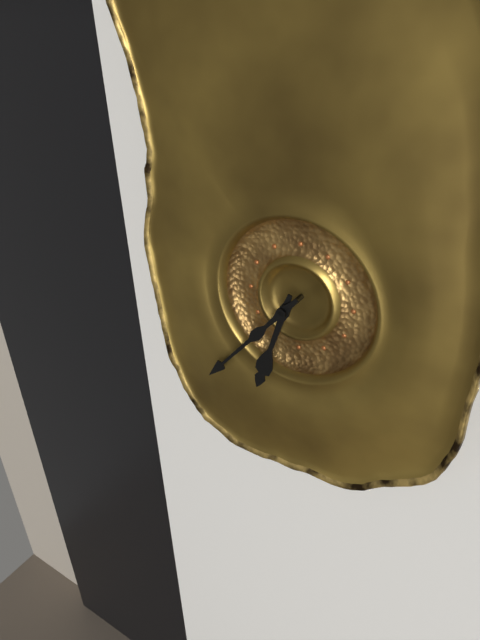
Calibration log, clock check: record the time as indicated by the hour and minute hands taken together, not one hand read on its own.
6:37
